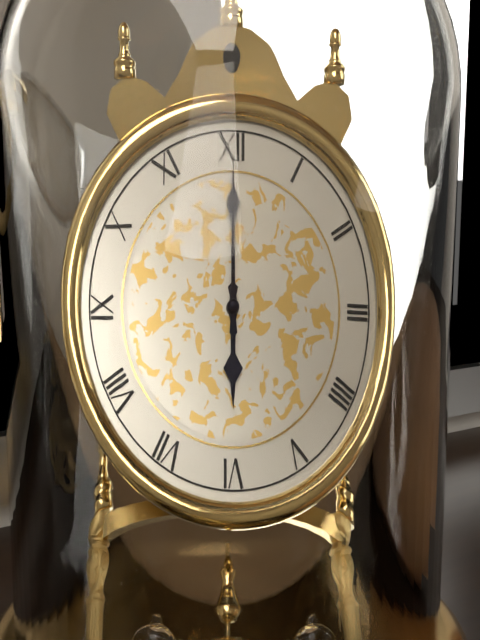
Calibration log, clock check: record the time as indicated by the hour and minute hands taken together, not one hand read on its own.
6:00
